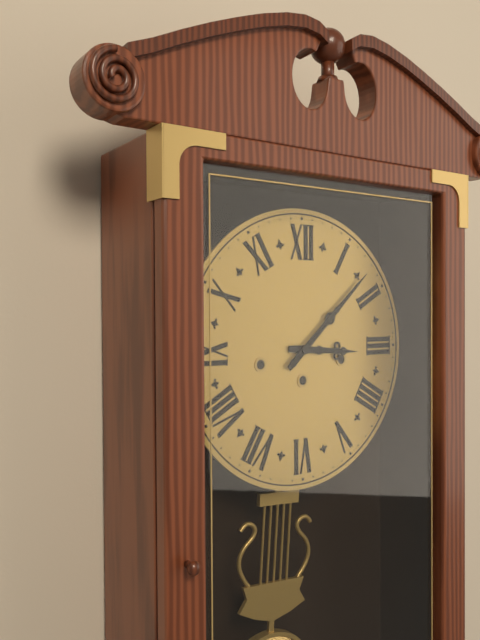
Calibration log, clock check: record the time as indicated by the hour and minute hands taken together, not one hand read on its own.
3:08
